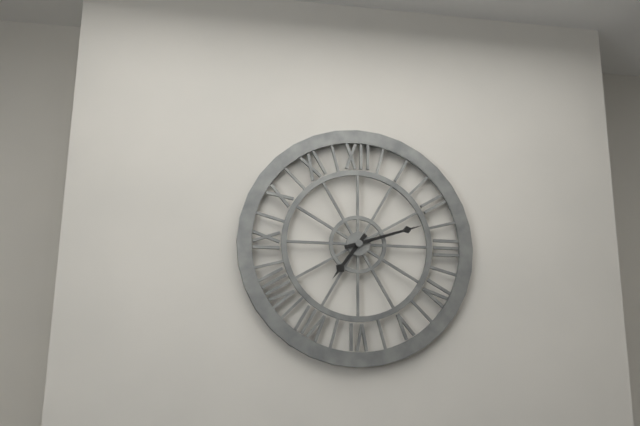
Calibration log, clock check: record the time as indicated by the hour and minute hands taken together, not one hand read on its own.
7:12
